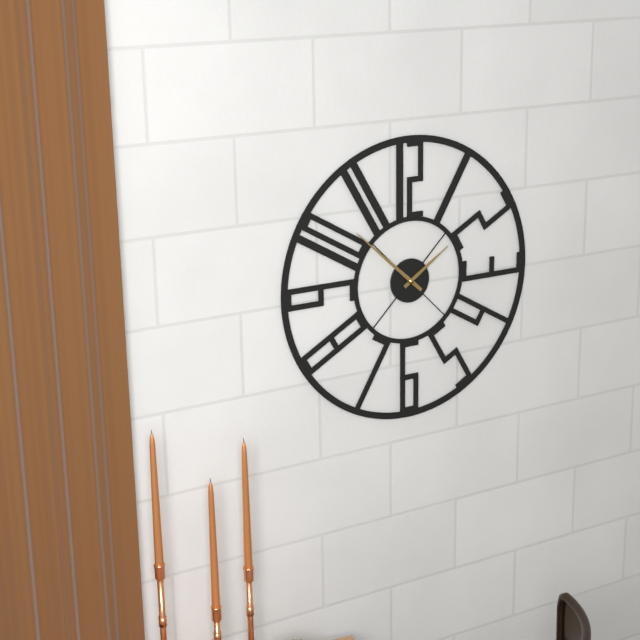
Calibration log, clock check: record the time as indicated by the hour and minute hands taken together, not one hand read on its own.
1:52
